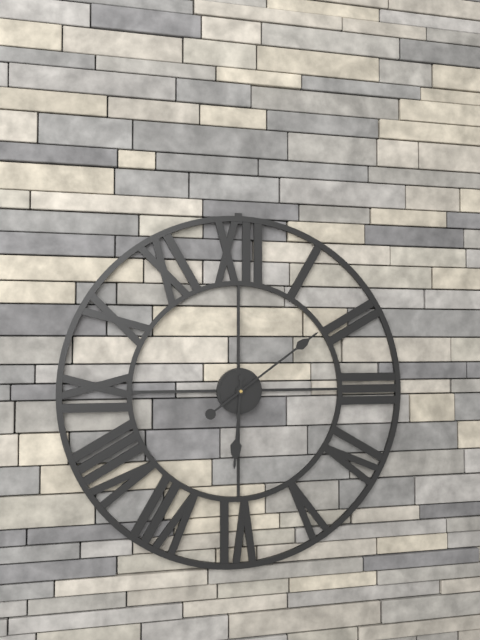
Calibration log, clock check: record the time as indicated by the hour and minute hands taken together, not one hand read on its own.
6:09
